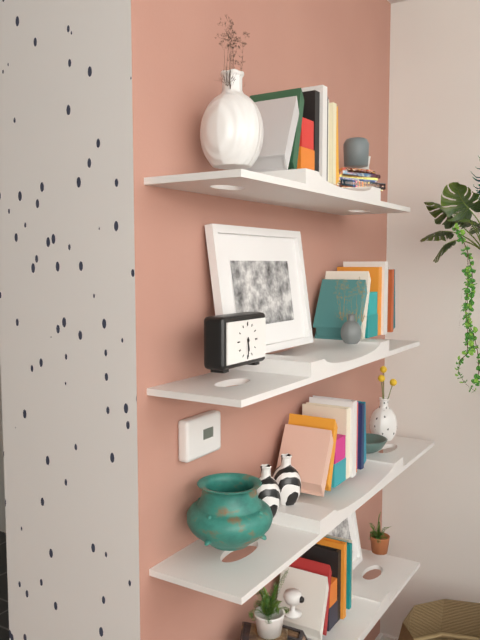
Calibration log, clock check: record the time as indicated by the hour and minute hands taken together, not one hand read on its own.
5:30
